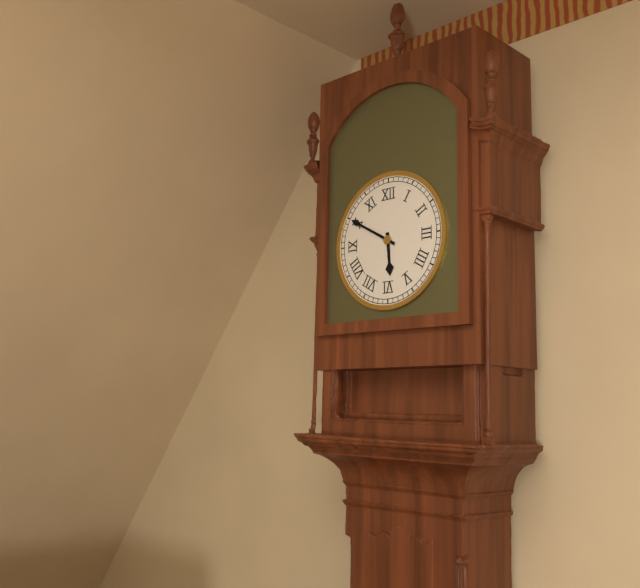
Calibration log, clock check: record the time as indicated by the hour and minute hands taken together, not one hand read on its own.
5:50
